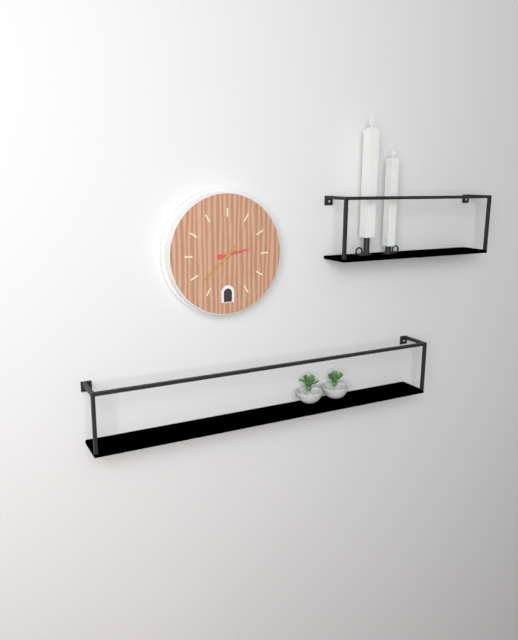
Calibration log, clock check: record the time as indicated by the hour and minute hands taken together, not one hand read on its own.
2:38
